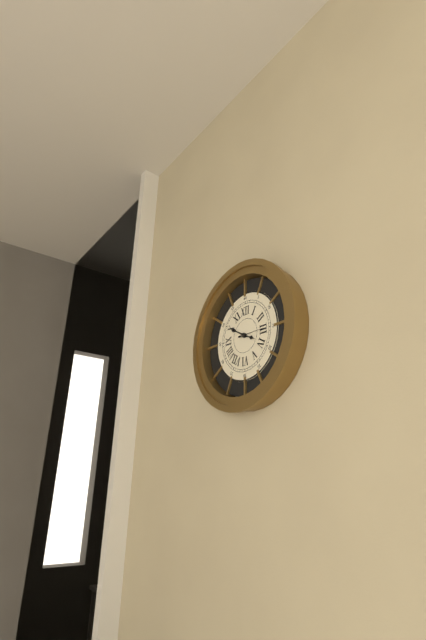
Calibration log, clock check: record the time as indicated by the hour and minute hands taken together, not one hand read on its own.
3:50
